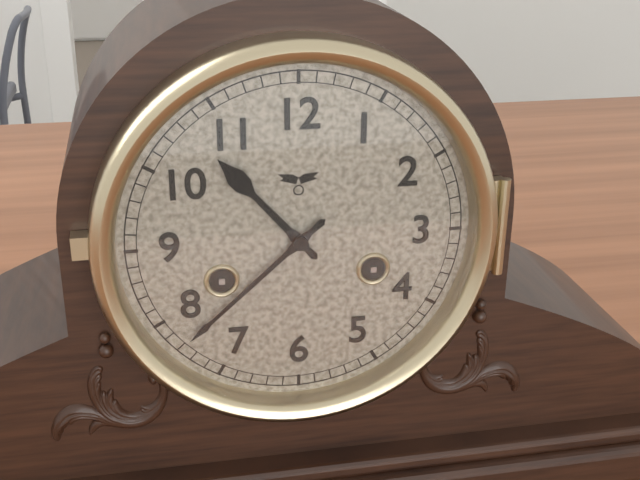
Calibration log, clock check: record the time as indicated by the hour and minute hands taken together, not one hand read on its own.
10:38
